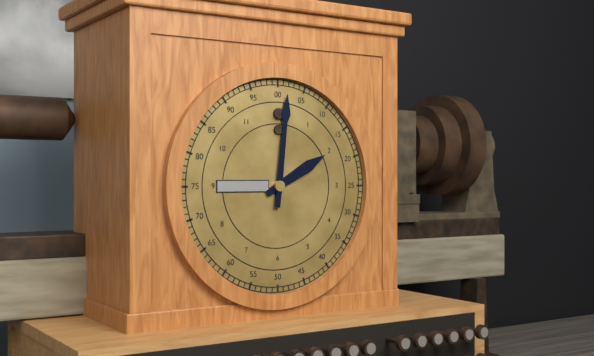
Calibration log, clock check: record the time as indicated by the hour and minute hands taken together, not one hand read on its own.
2:01
